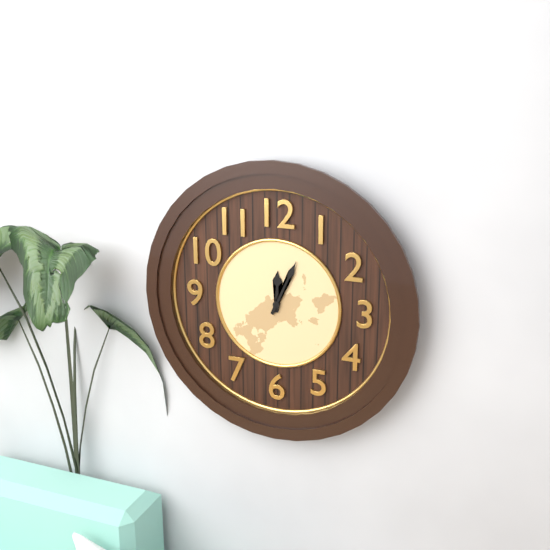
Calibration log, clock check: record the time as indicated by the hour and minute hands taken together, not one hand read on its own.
12:04
